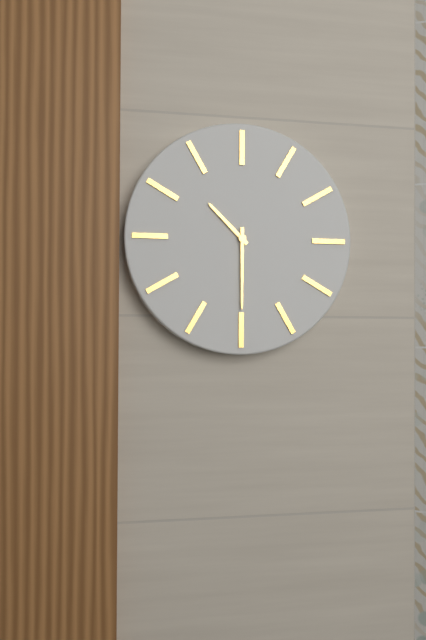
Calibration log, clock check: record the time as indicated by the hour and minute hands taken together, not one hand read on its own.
10:30
